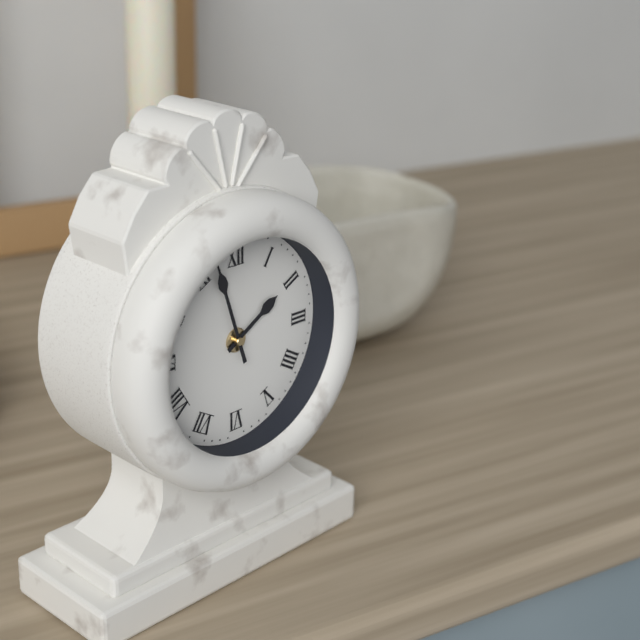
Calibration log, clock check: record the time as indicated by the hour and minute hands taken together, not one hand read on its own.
1:57
